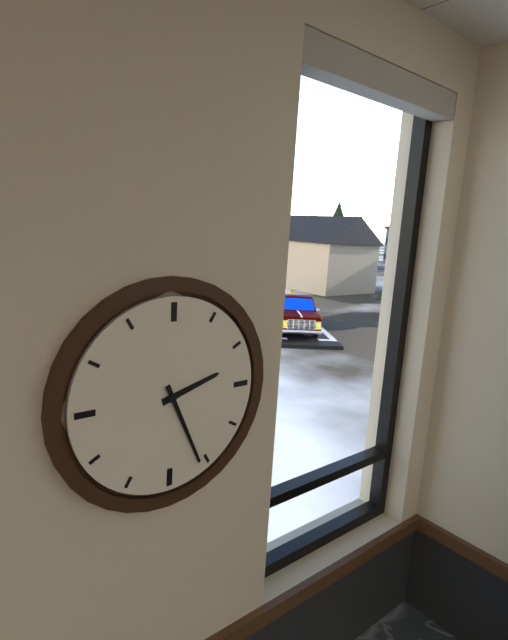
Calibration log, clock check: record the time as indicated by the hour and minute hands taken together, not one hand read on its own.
2:26
